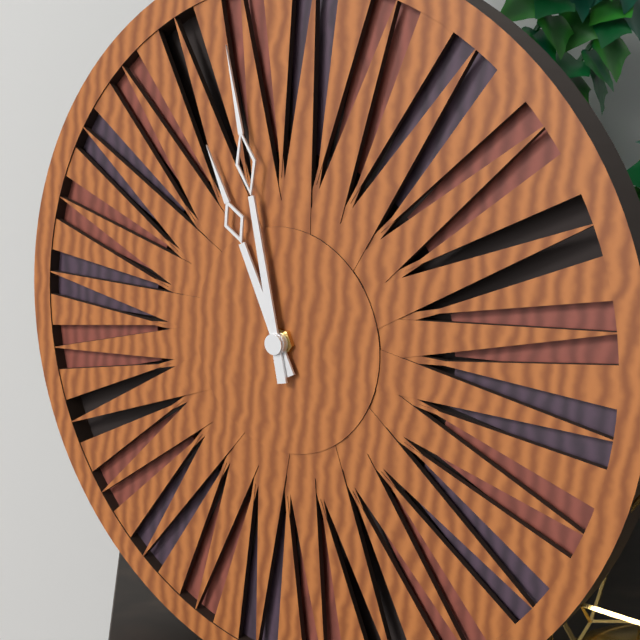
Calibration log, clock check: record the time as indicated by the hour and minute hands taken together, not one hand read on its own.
10:57
